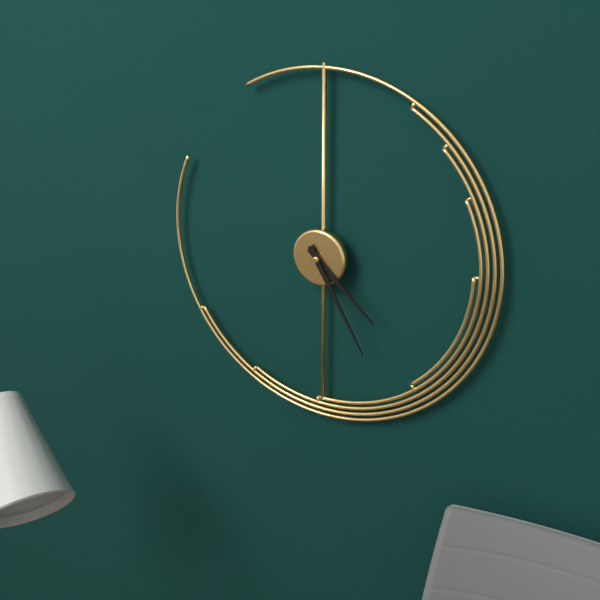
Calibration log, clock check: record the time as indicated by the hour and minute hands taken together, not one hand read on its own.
4:25
